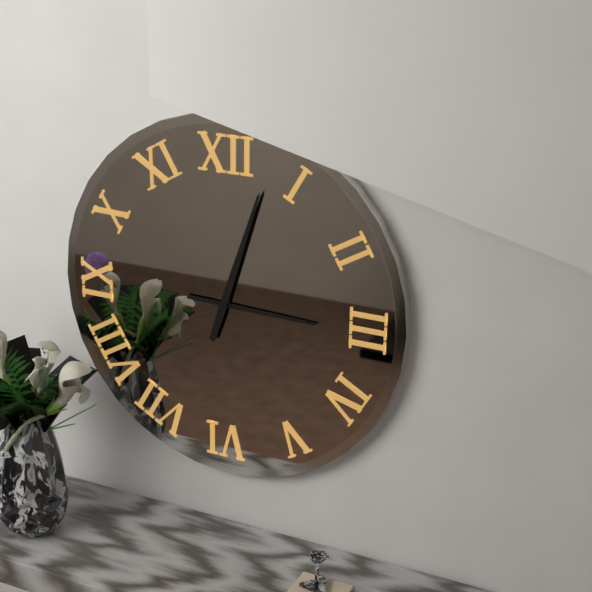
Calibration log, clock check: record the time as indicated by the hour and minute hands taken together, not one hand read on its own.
3:03
